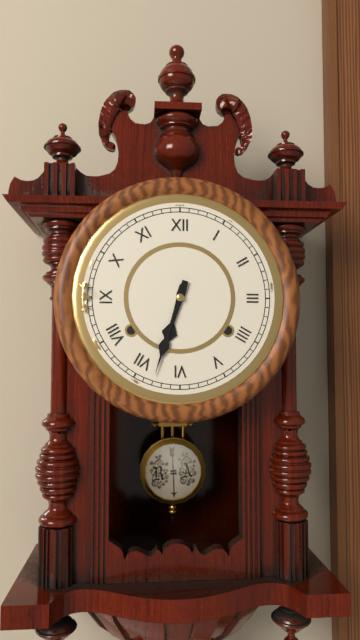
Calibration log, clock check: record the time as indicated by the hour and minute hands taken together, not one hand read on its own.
6:33
